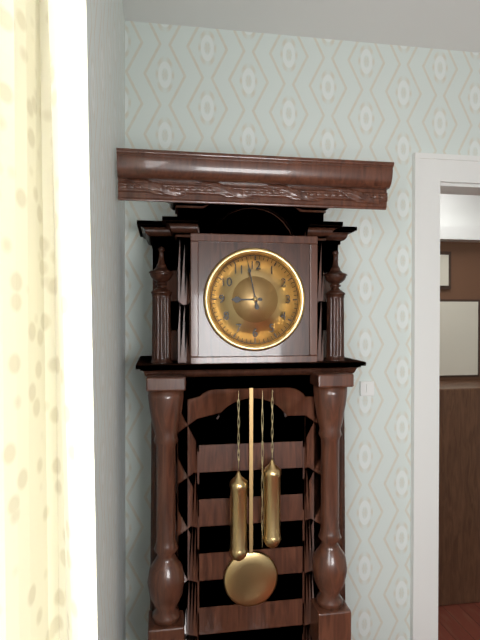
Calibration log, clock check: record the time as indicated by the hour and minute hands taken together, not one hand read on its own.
8:58
